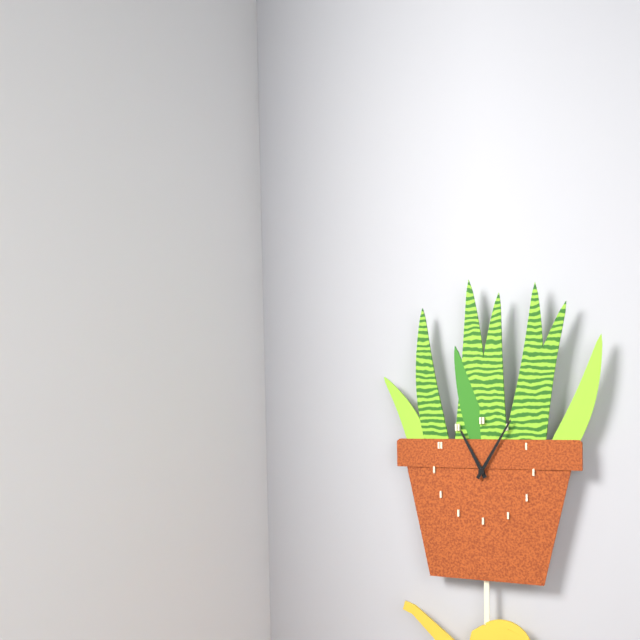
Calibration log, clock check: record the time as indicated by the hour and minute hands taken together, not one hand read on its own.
11:05
